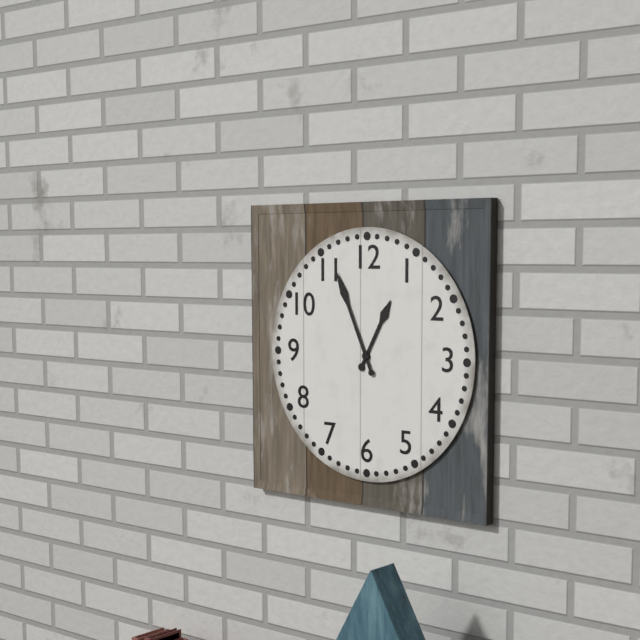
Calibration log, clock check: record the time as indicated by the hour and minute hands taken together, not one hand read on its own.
12:56
